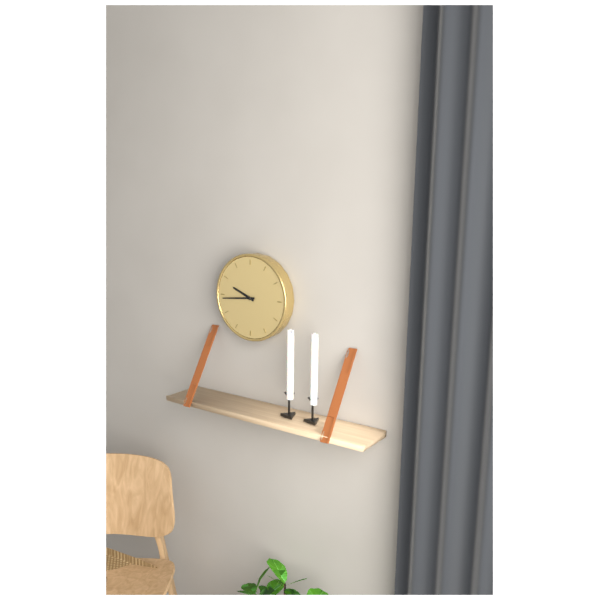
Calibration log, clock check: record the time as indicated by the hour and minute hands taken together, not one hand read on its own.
9:44
